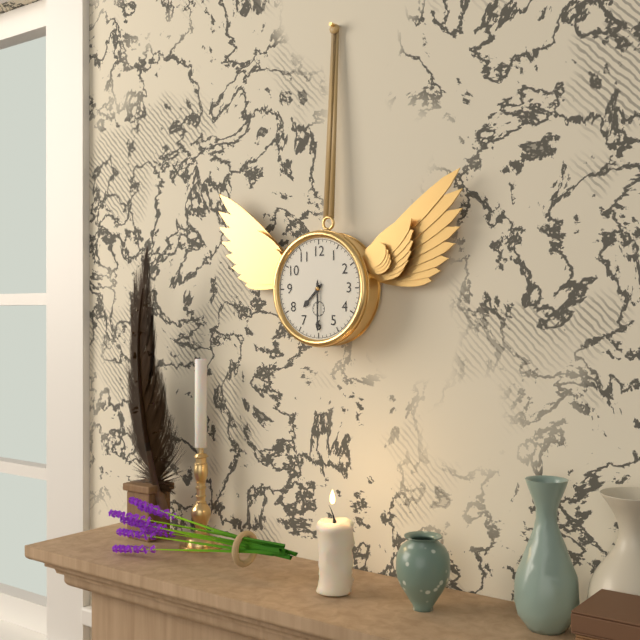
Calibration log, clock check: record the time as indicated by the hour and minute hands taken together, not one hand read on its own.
7:30
